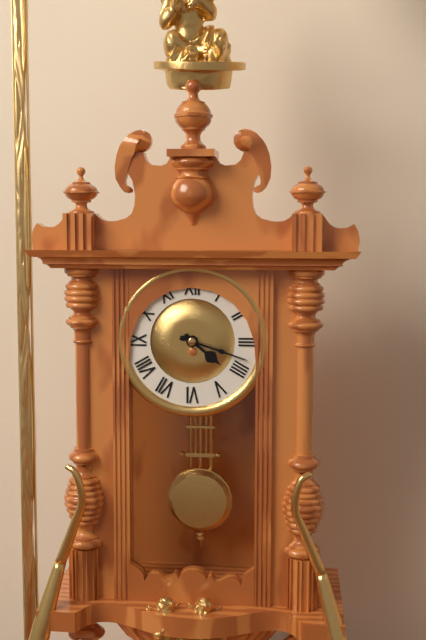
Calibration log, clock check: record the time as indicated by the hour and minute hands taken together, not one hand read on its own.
4:18
